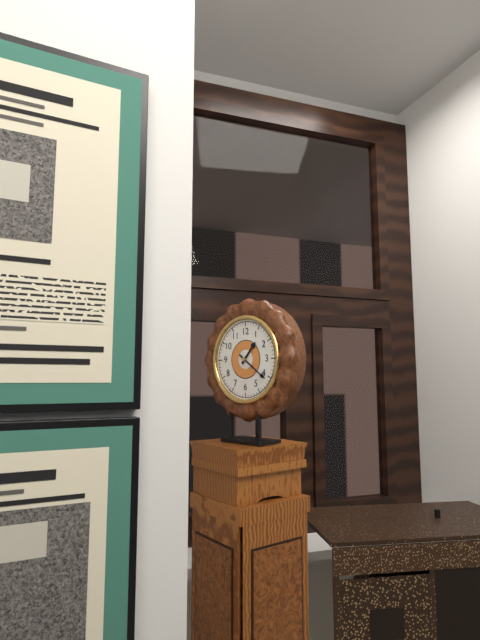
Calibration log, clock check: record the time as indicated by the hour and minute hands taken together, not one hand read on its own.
1:21
